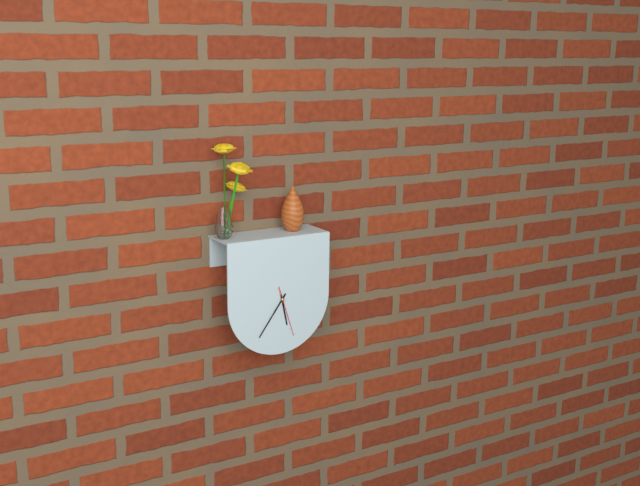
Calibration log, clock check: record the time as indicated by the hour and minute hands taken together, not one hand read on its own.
5:36
